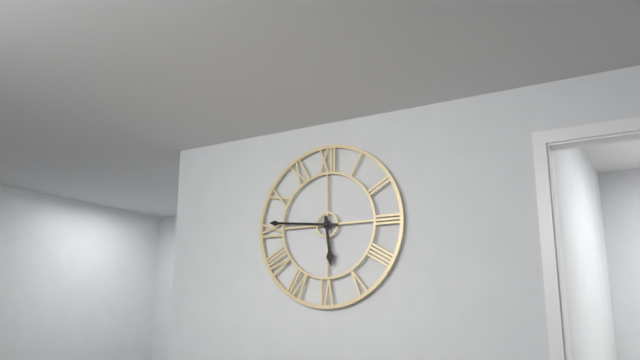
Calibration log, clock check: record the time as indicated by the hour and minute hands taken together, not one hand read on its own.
5:46
